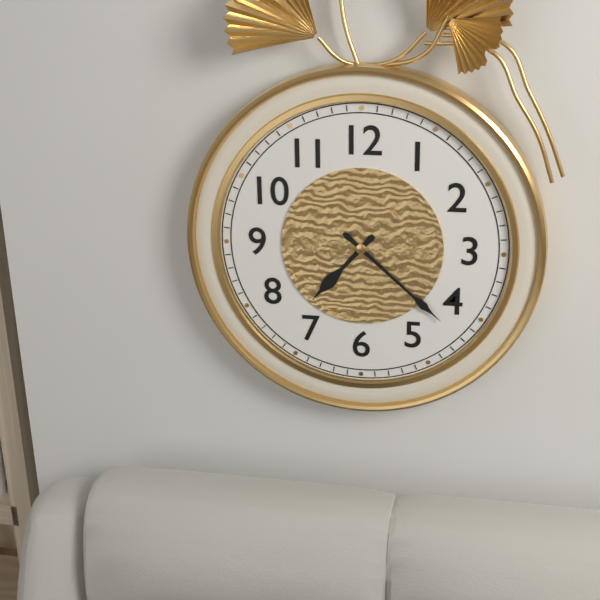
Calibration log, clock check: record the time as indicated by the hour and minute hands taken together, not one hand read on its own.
7:22
